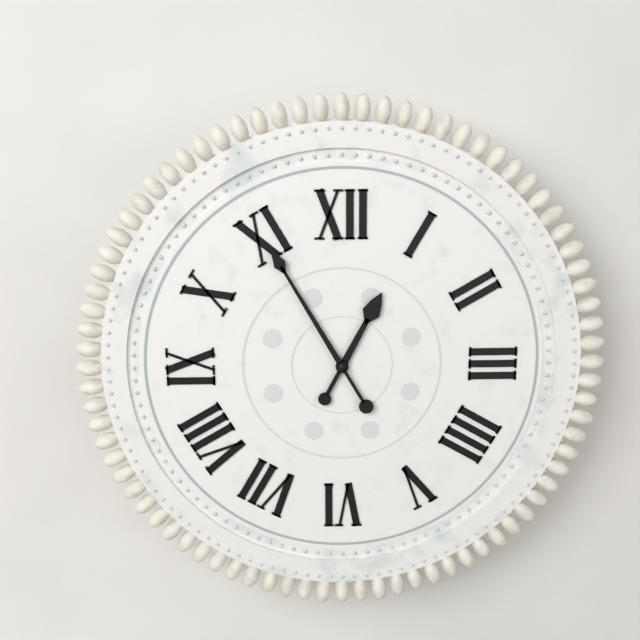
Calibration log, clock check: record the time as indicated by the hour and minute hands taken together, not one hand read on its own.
12:55
